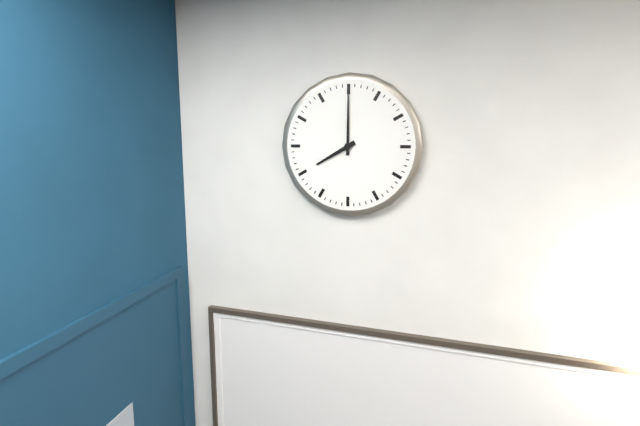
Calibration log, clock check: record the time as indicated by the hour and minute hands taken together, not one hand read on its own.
8:00
